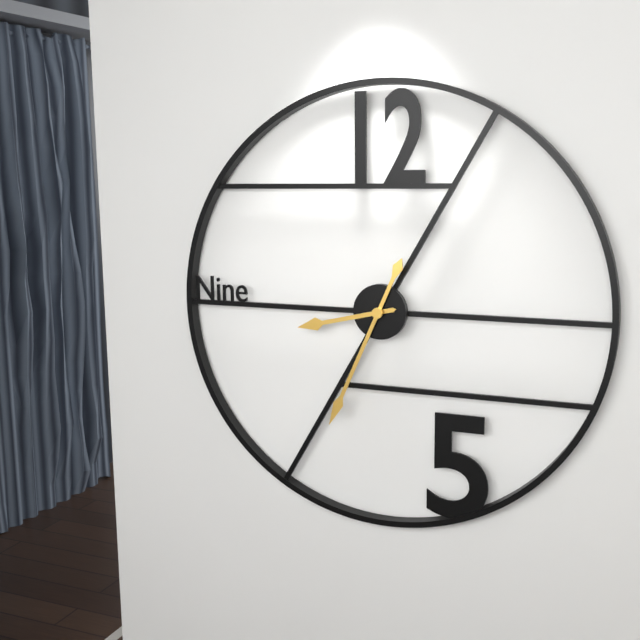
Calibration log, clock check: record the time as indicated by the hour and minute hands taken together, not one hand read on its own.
8:34
